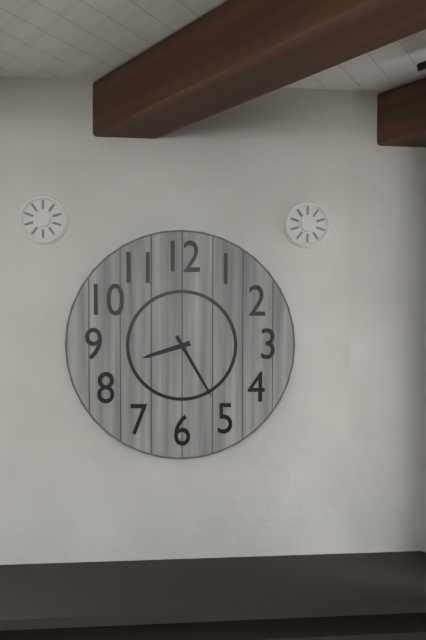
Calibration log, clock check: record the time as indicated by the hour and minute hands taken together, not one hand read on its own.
8:25
